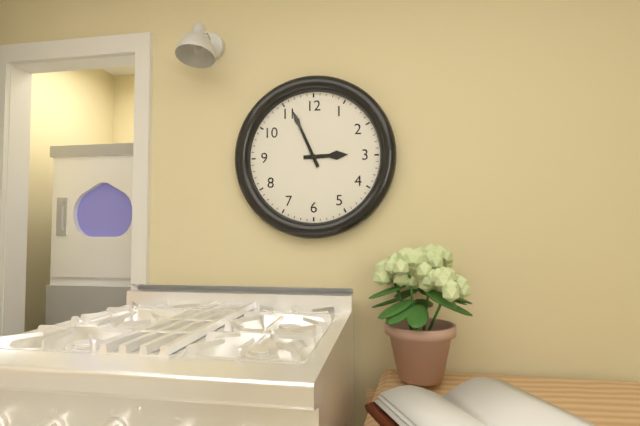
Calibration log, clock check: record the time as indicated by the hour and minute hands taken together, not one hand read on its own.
2:56
